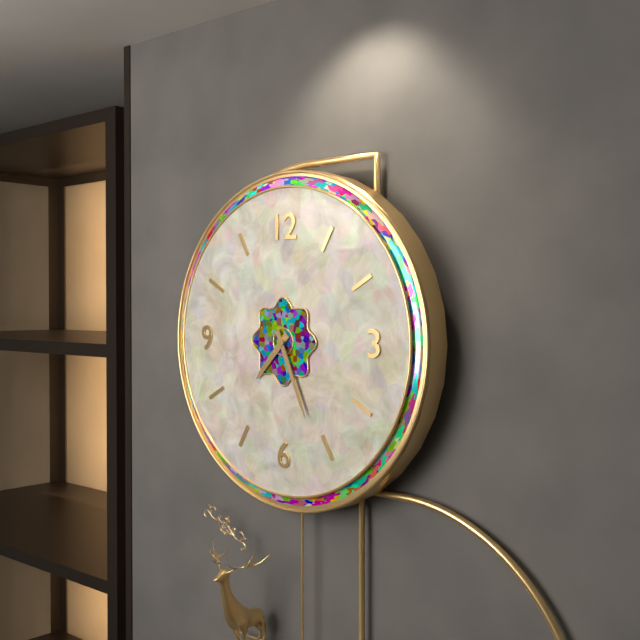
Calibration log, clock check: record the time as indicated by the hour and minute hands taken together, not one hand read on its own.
7:26
